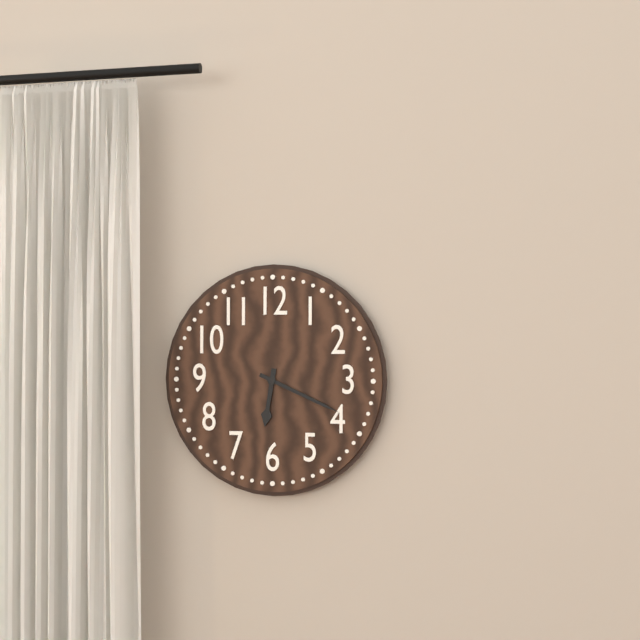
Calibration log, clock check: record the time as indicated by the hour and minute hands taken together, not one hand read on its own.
6:19
